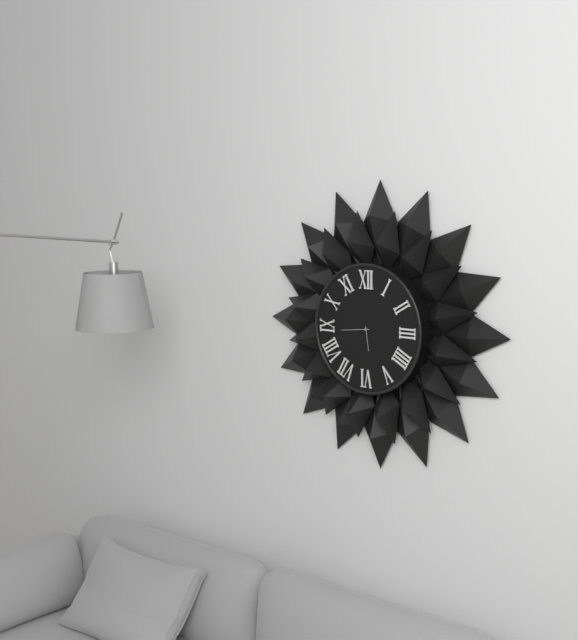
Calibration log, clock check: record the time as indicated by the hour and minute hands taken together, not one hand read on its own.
5:44
